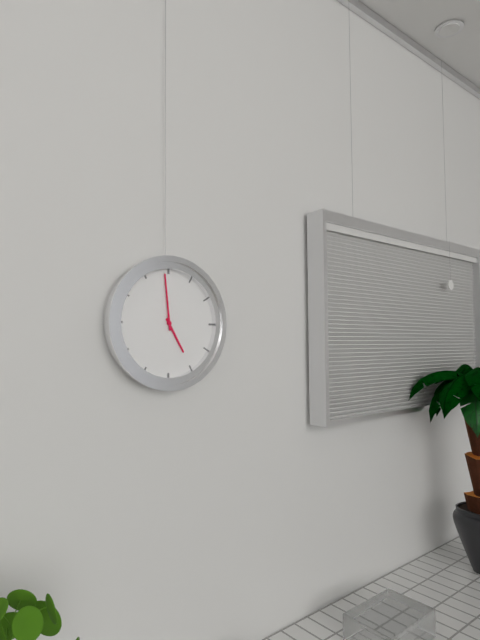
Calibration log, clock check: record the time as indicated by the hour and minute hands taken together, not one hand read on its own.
4:59
